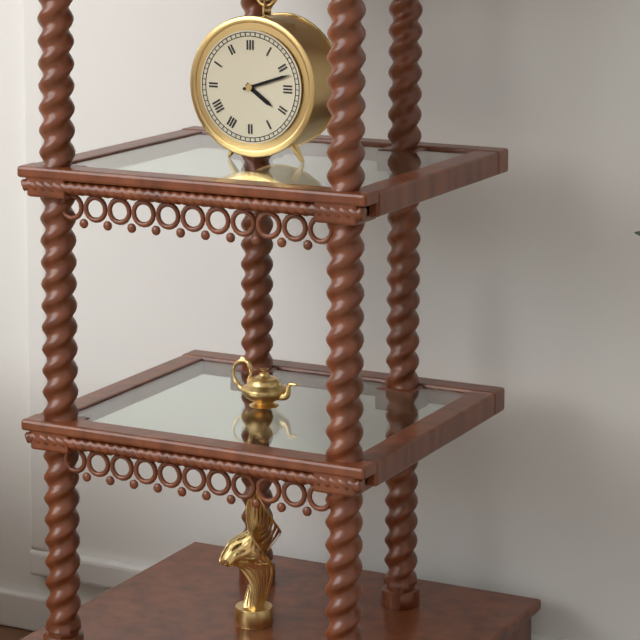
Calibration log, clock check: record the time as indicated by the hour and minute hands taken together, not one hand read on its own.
4:12
